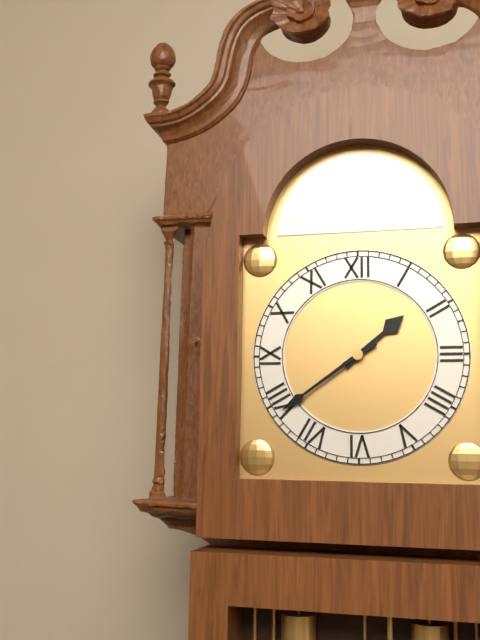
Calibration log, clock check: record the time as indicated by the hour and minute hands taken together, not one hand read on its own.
1:39
